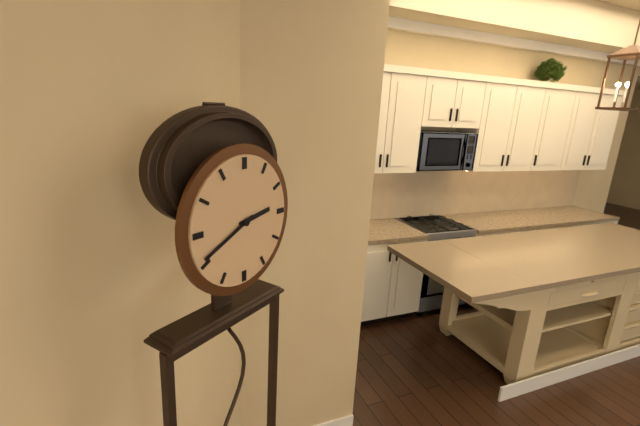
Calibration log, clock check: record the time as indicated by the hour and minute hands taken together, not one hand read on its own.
2:41
